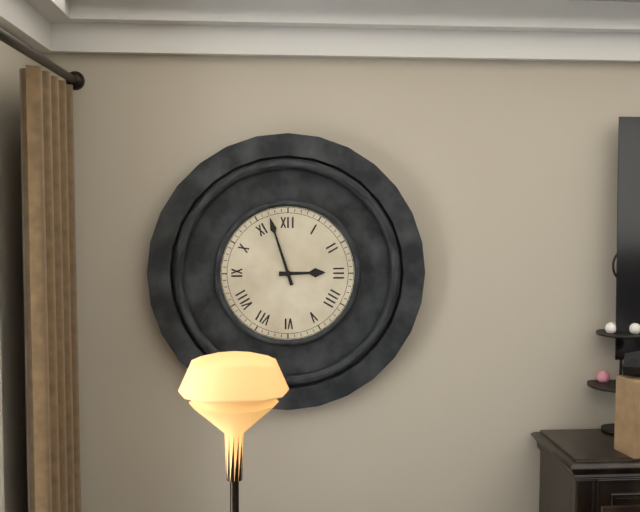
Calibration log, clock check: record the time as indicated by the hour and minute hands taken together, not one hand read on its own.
2:57
